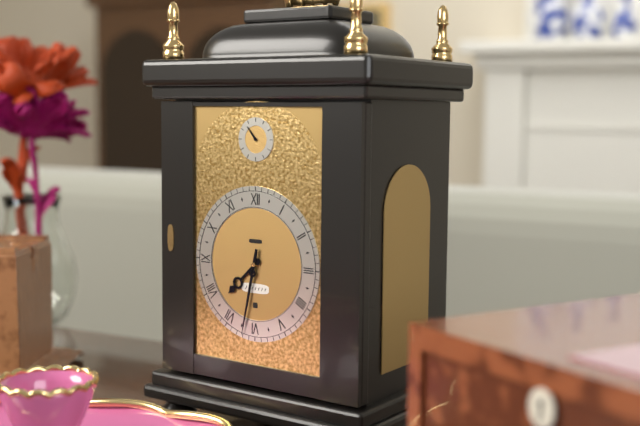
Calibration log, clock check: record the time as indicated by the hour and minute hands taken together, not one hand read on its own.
7:32
